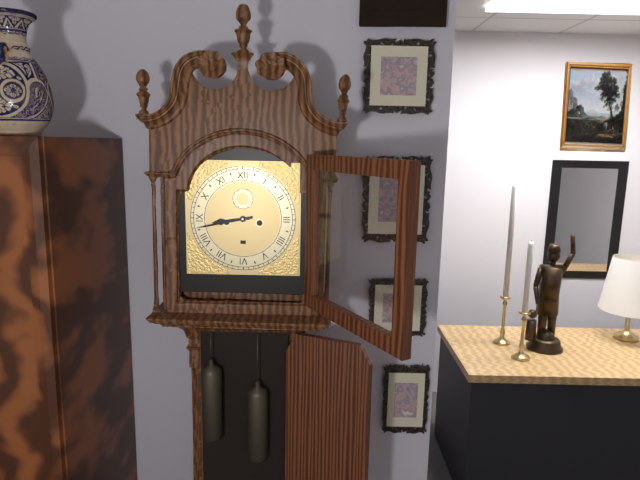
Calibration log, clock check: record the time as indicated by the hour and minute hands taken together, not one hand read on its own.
8:43
